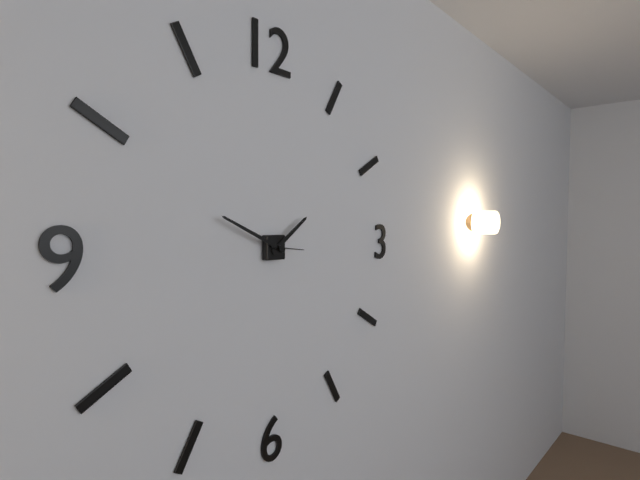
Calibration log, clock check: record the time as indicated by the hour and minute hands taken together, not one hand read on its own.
1:49
